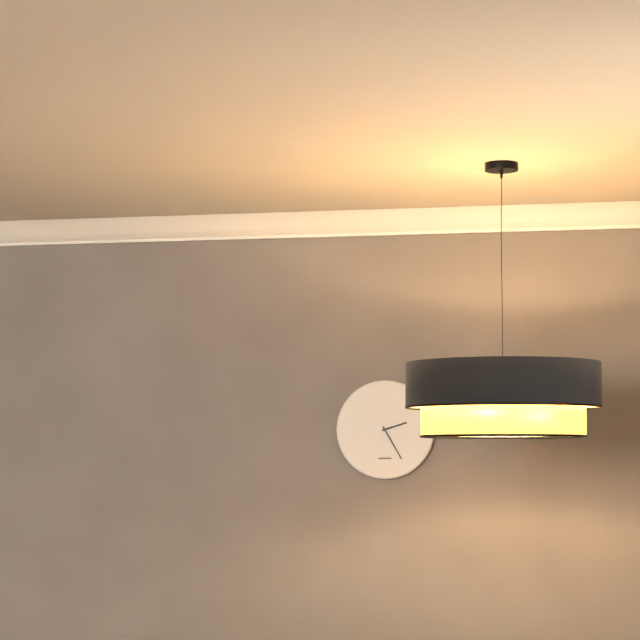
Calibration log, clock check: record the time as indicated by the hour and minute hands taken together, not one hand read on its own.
2:25
